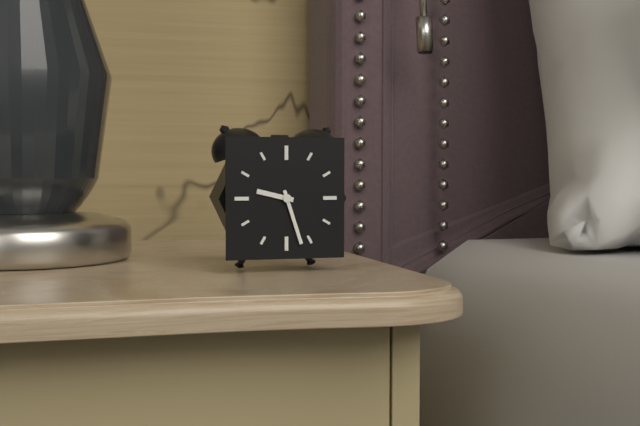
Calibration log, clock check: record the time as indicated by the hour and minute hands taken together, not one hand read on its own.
9:27
